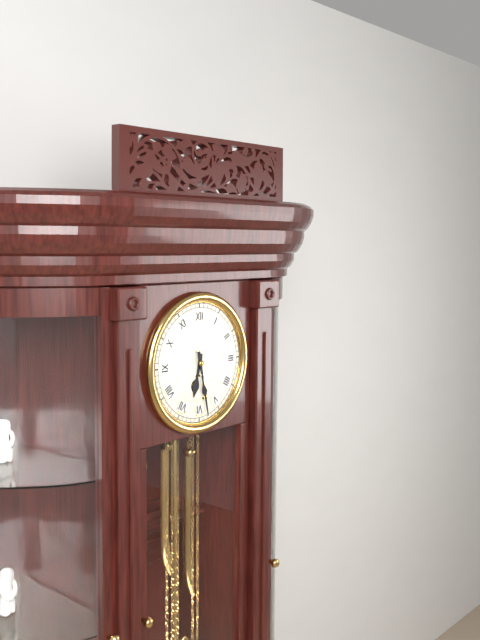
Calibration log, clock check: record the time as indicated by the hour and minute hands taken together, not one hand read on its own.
6:28
